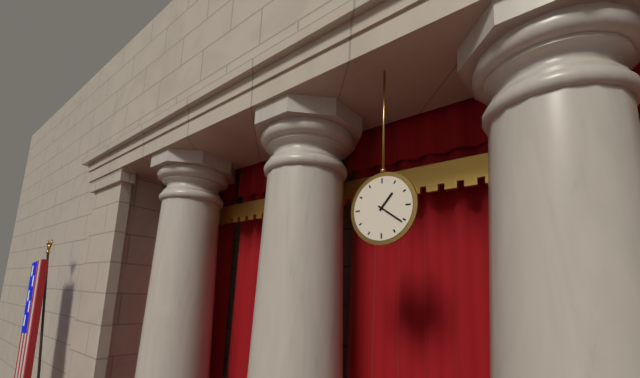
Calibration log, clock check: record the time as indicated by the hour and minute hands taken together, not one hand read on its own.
1:21
